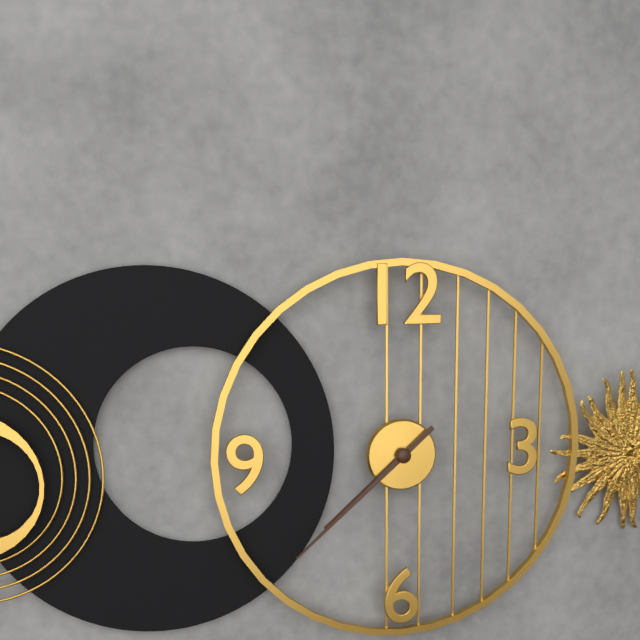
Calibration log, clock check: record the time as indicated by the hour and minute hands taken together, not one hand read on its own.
7:38
